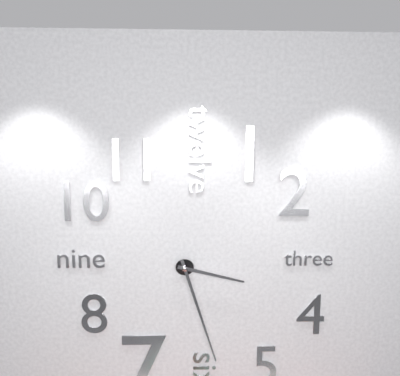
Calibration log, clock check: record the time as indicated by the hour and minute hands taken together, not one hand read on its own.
3:27
